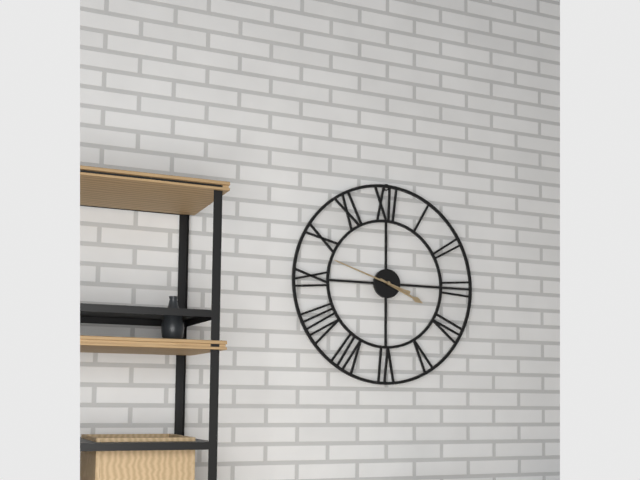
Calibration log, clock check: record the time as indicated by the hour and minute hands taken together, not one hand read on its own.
3:48
